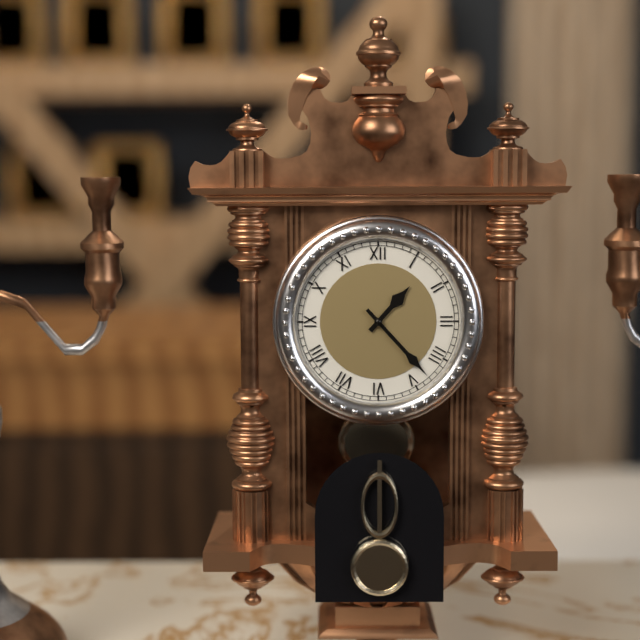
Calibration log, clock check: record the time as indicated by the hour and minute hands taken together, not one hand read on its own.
1:23
